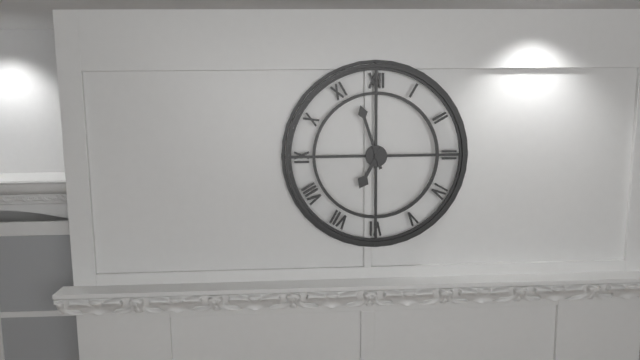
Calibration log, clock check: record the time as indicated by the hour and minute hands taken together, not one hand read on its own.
6:57
